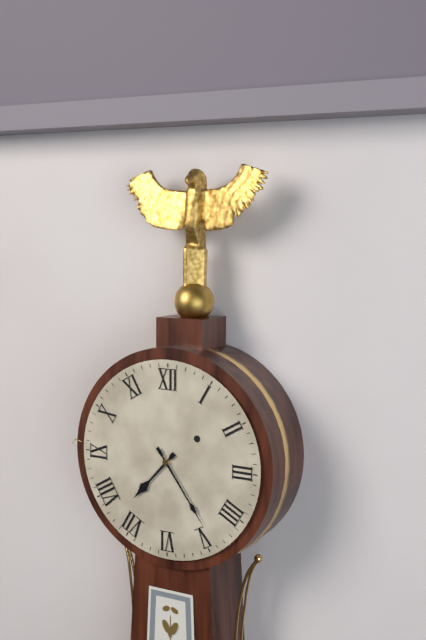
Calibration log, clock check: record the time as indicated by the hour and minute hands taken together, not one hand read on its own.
7:24
